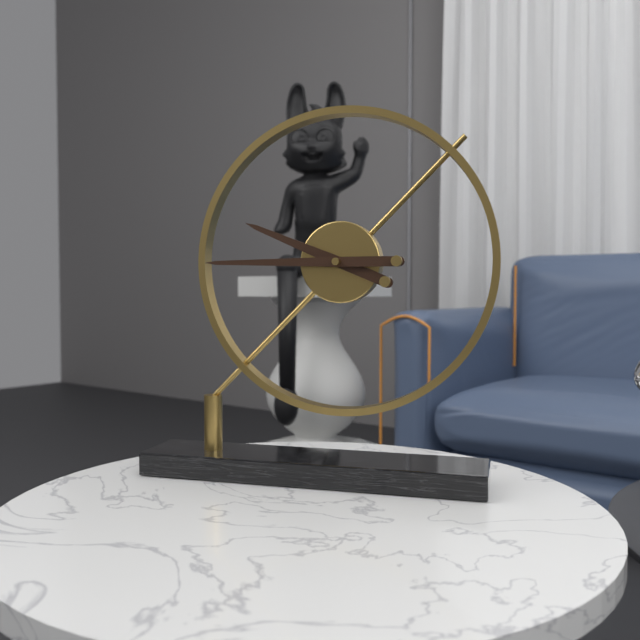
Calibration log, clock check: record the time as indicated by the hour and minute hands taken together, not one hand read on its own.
9:45
